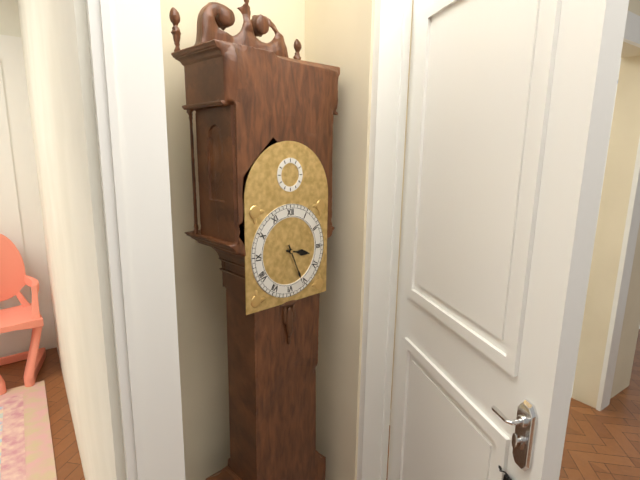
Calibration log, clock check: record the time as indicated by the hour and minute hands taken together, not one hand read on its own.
3:26
